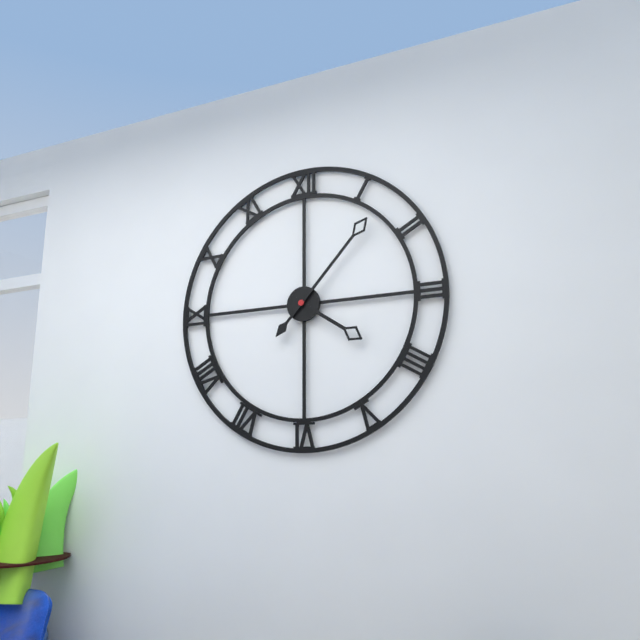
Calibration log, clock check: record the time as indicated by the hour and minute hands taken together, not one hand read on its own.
4:07
